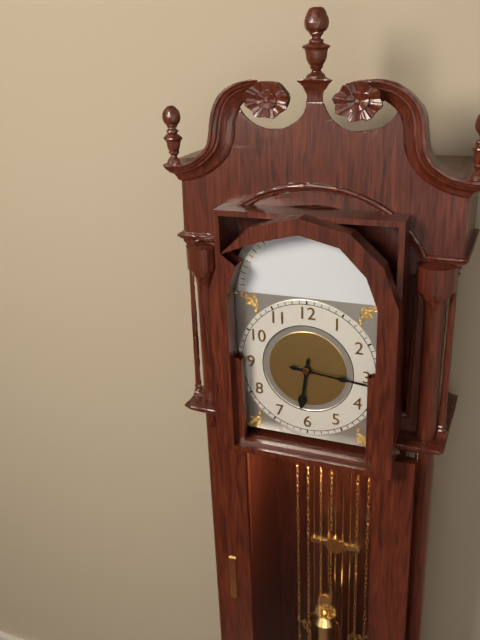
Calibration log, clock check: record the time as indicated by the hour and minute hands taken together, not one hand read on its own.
6:16
